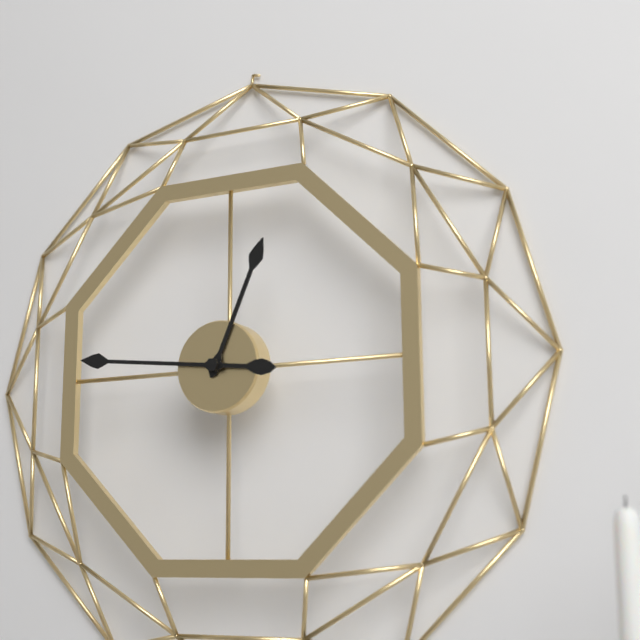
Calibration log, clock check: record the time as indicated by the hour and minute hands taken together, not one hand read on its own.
12:46
